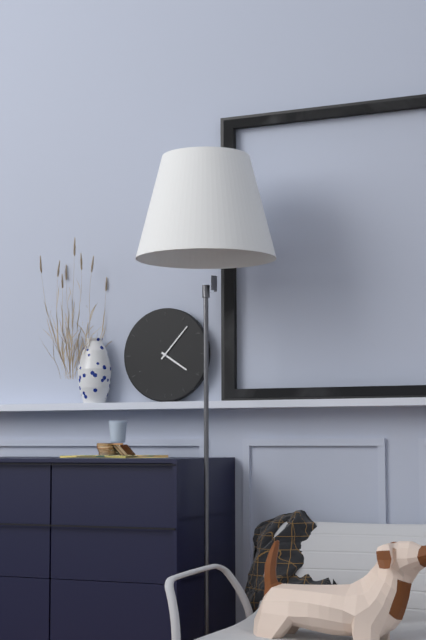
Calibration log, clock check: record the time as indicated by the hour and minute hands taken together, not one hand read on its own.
4:07
